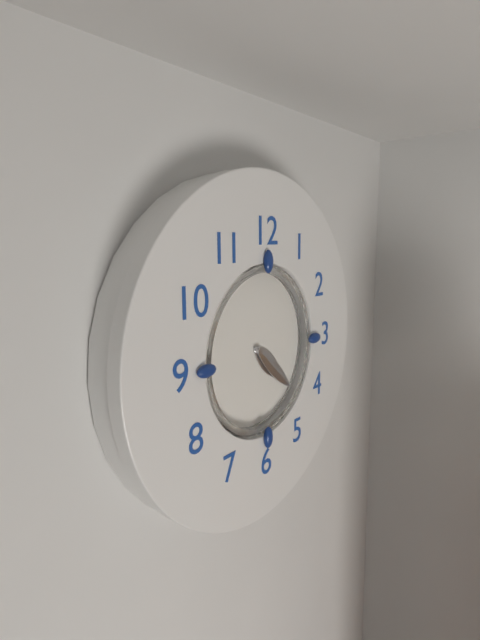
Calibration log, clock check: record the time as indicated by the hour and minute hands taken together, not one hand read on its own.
4:22
